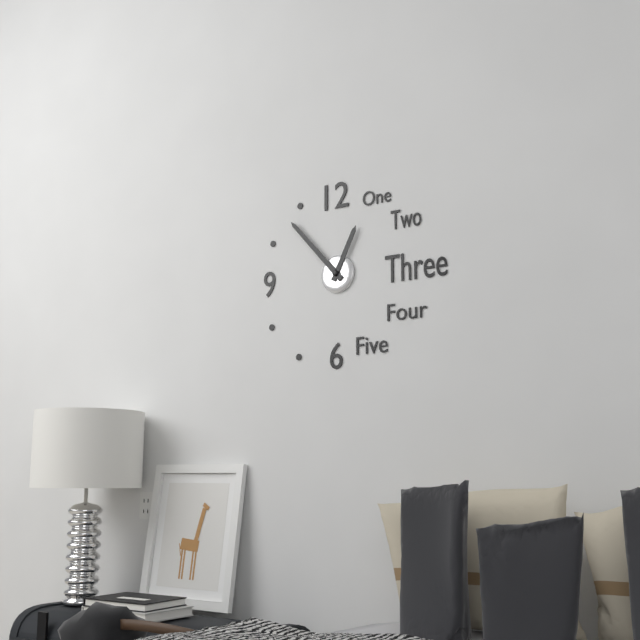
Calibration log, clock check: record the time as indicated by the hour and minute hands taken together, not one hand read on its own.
12:53
